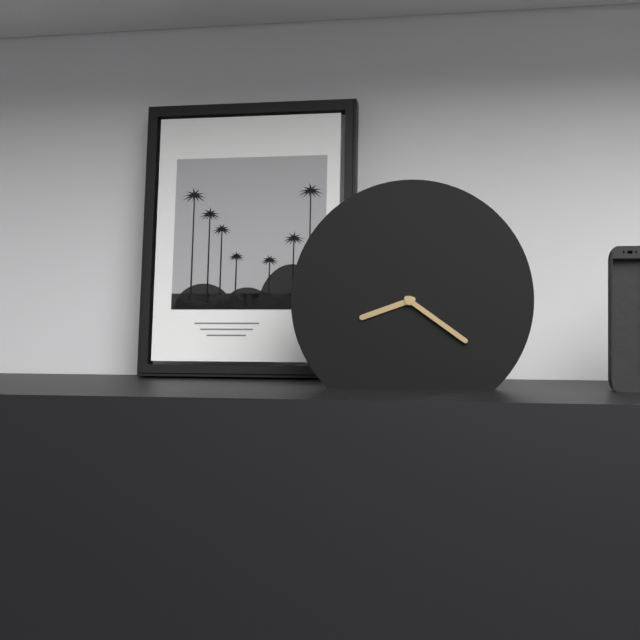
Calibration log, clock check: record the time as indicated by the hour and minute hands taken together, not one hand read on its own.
8:21
